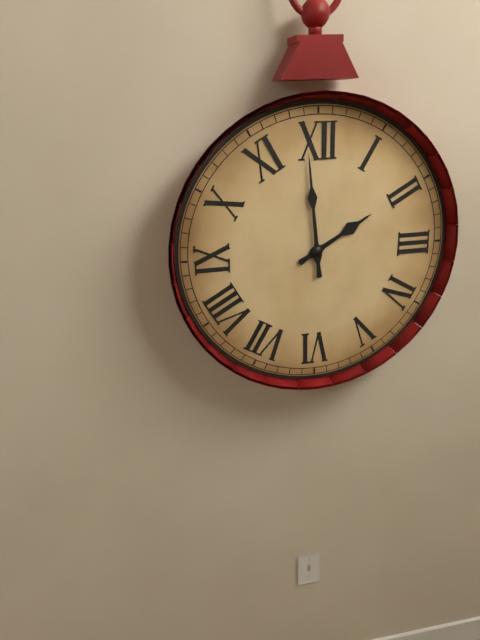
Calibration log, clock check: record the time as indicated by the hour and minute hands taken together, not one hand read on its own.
1:59
